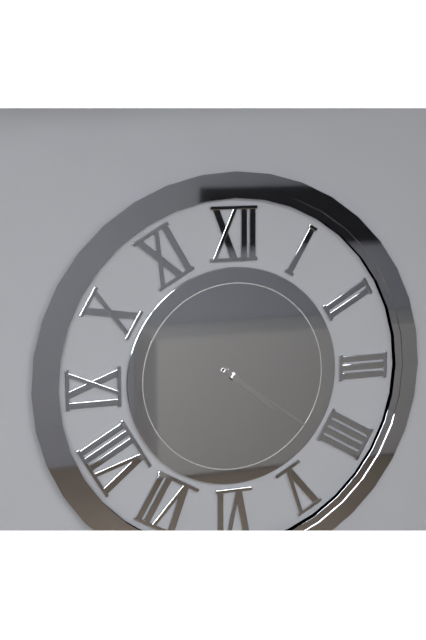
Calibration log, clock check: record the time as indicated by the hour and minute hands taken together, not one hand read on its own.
4:21
